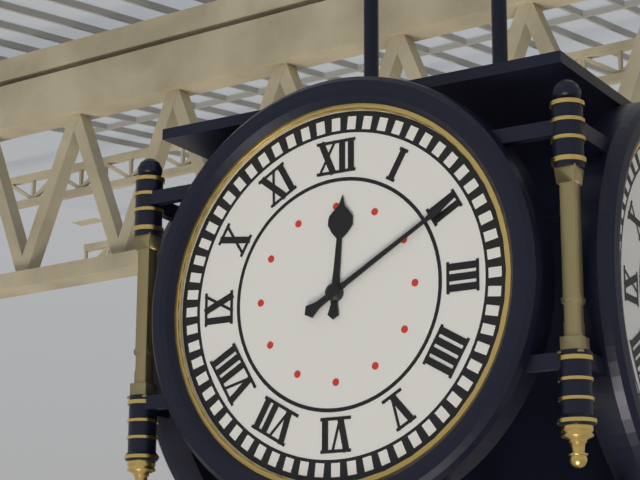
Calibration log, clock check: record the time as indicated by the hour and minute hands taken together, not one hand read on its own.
12:10
